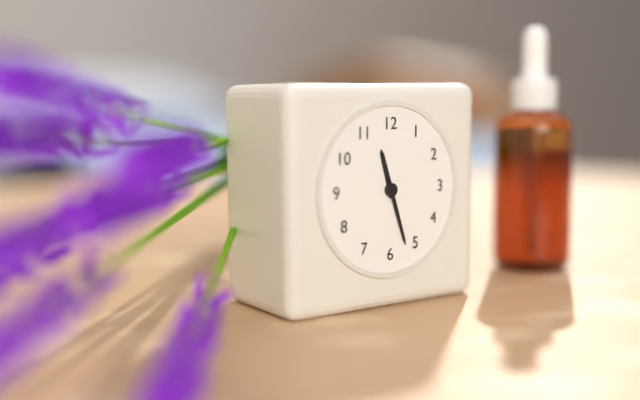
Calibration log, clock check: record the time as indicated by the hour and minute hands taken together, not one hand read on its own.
11:27
